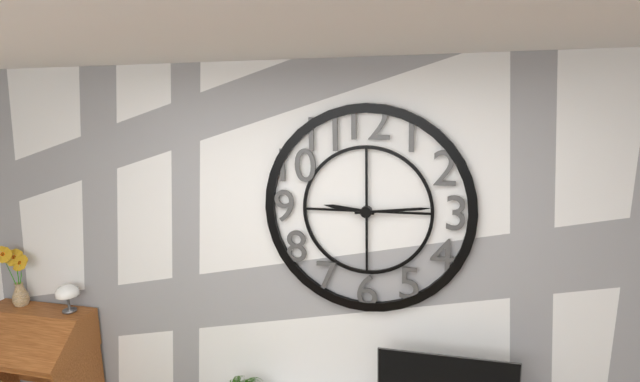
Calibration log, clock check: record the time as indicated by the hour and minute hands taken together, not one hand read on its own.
9:14
